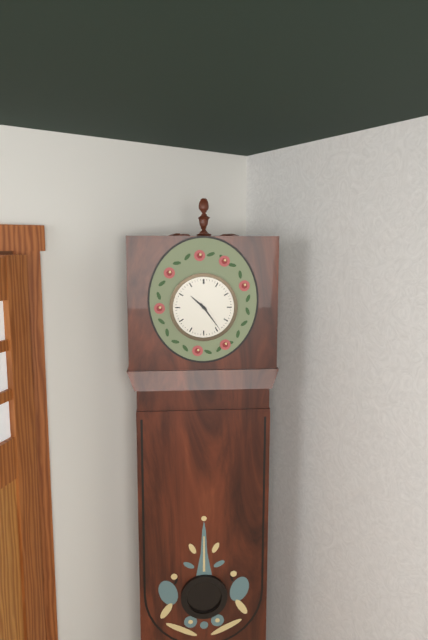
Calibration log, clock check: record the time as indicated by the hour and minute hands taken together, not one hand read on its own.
10:24
